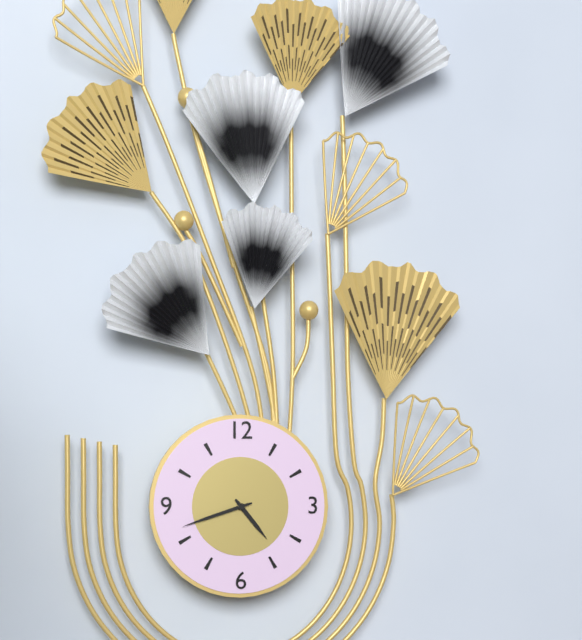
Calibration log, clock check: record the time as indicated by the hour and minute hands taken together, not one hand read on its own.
4:42
